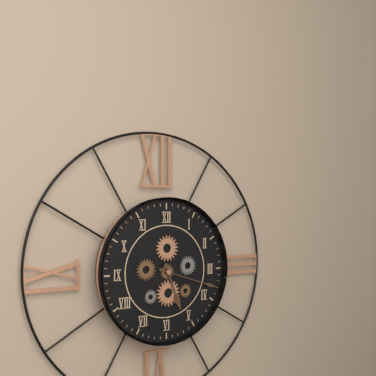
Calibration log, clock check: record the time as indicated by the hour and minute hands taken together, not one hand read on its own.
5:18
